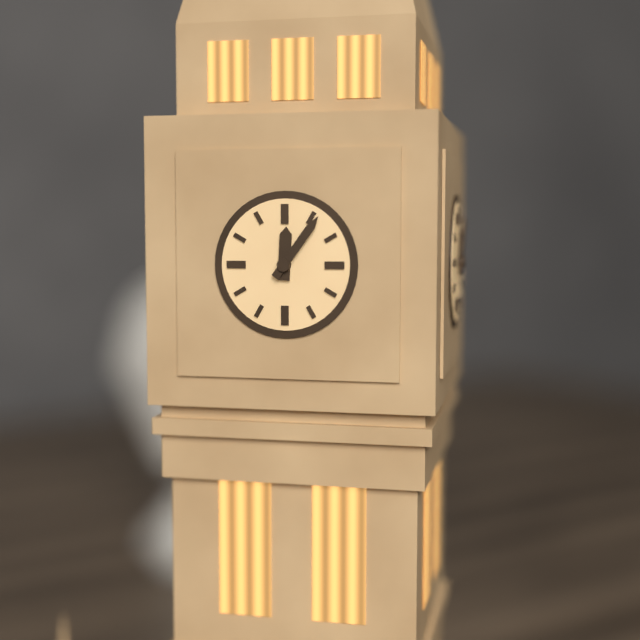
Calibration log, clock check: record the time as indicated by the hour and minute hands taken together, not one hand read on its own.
12:06
